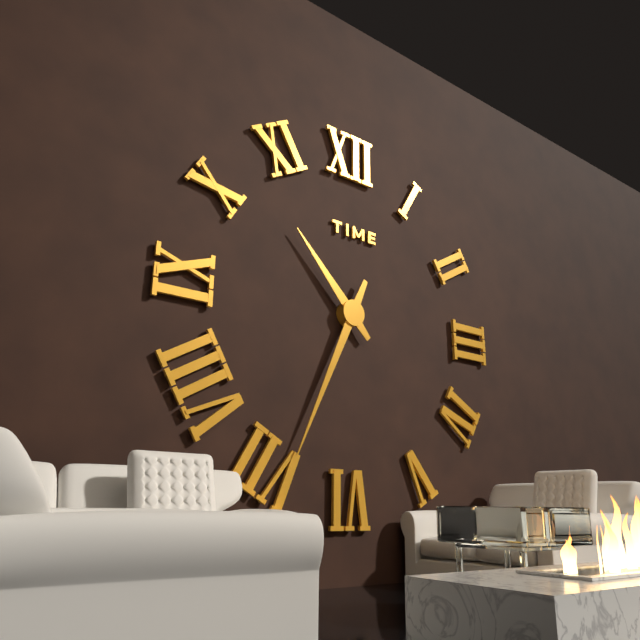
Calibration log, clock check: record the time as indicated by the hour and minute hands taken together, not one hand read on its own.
10:34
